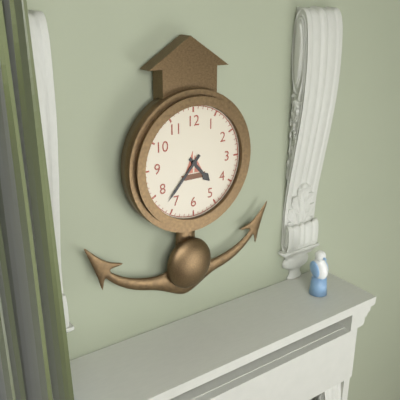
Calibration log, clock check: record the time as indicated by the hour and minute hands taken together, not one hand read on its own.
4:37
